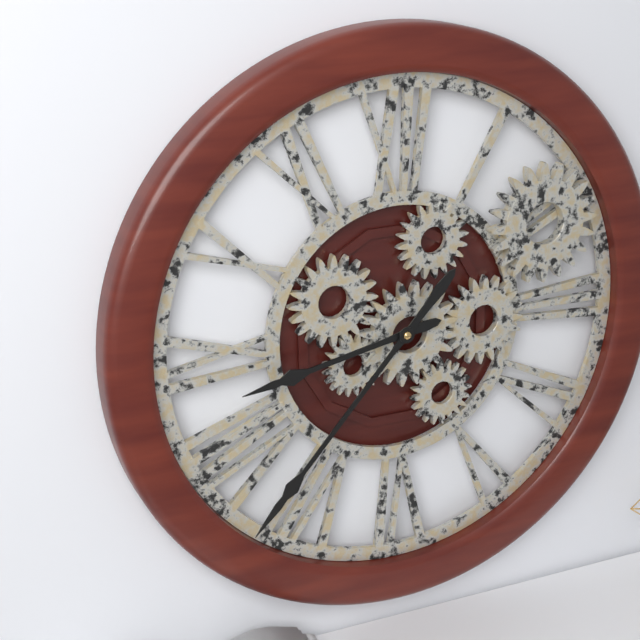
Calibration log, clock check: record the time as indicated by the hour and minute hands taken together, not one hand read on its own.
8:37
